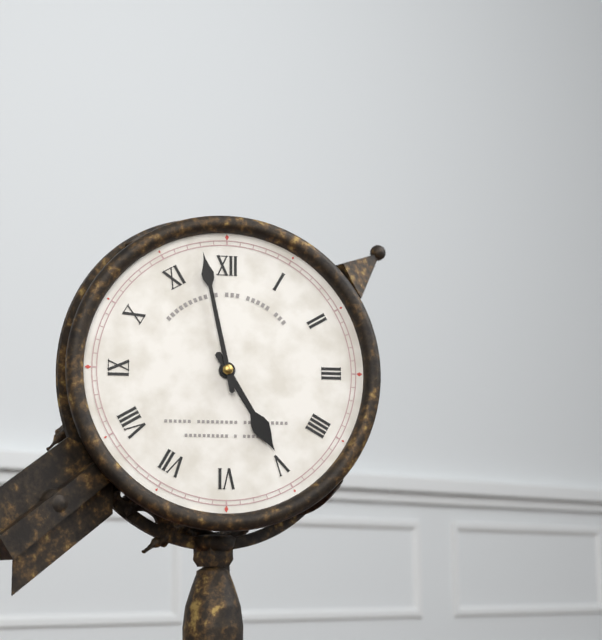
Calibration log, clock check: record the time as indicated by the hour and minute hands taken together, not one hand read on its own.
4:58
